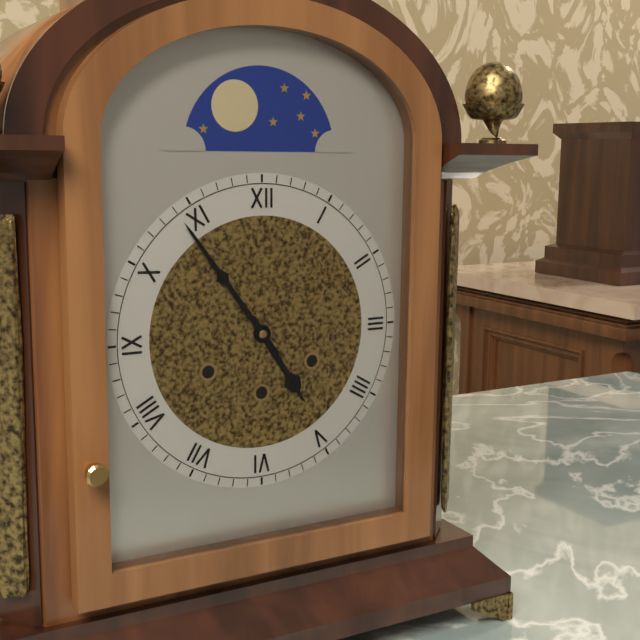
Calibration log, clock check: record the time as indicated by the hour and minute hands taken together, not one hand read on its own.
4:54
